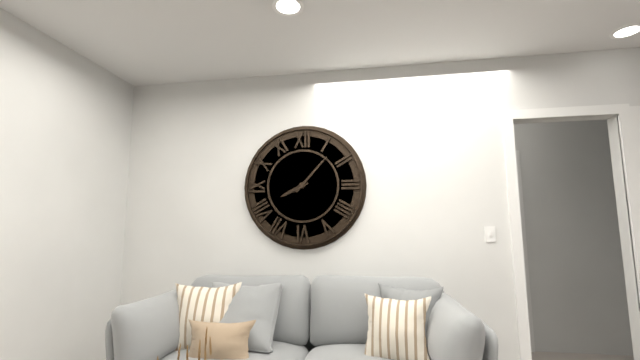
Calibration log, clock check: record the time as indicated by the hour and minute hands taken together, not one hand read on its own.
8:07
